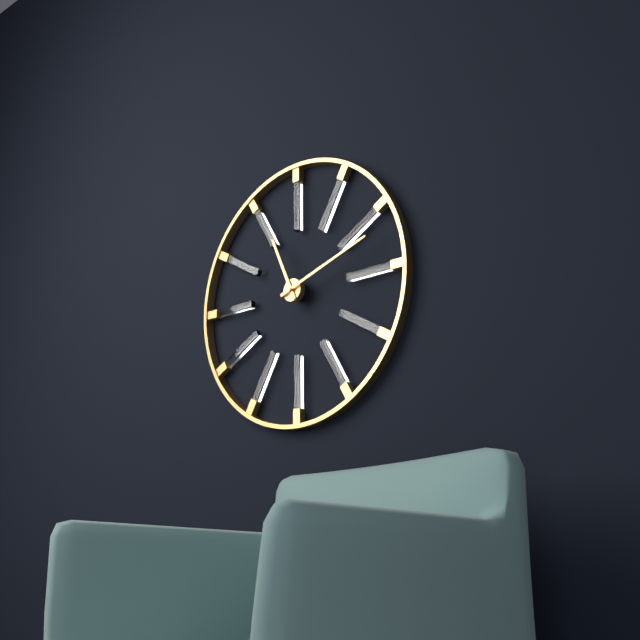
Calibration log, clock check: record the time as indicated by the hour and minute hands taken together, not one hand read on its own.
11:12
